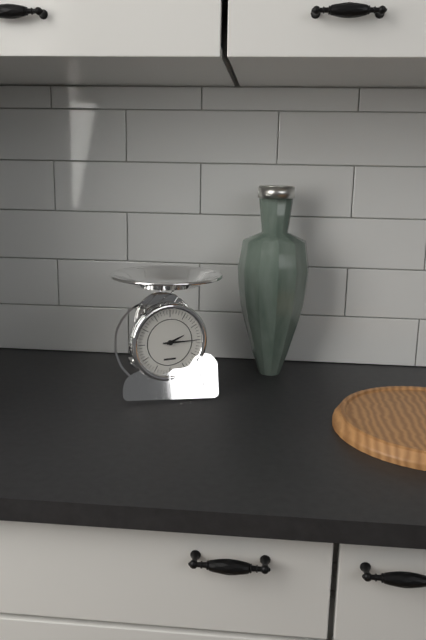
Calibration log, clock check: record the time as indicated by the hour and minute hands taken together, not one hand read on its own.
2:15
